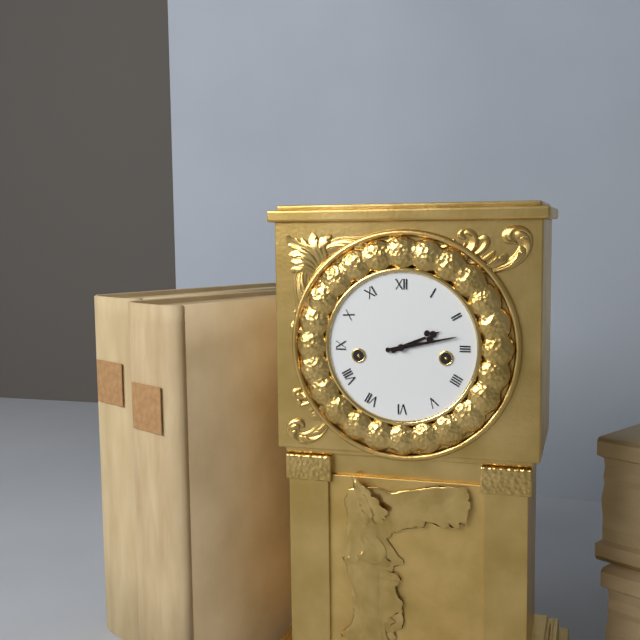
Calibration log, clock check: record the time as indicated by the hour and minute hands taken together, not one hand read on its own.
2:13
